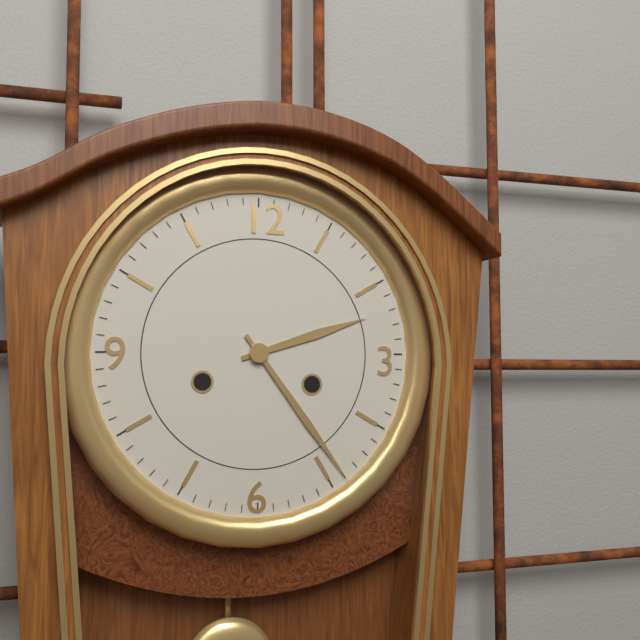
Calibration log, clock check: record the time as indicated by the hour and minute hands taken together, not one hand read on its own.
2:24
